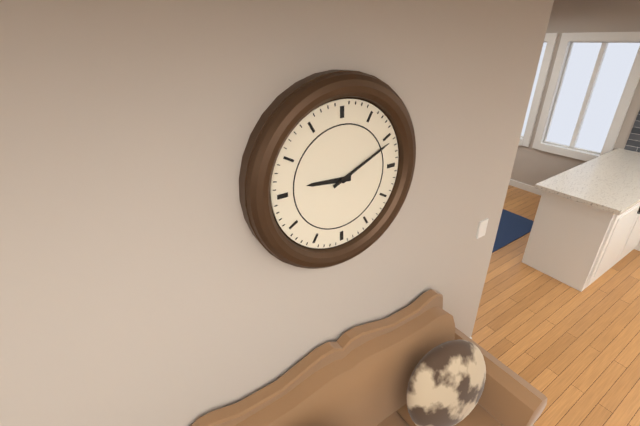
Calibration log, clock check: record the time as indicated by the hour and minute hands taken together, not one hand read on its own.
9:11
